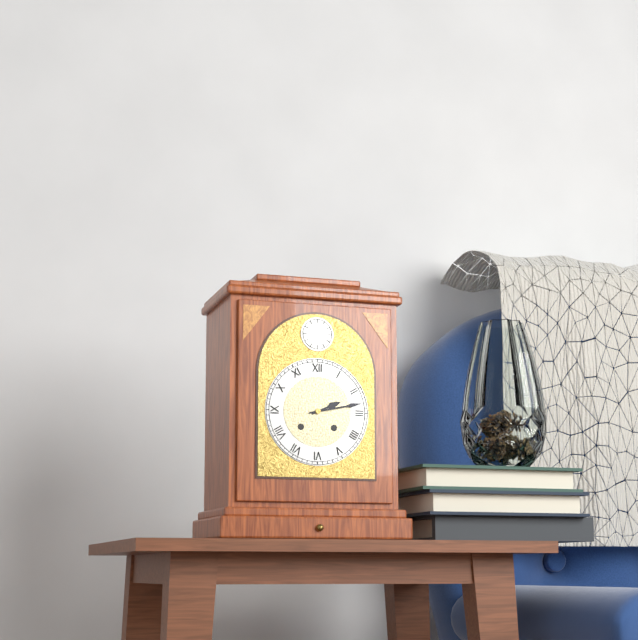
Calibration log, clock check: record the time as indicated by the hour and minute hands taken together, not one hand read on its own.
2:13
